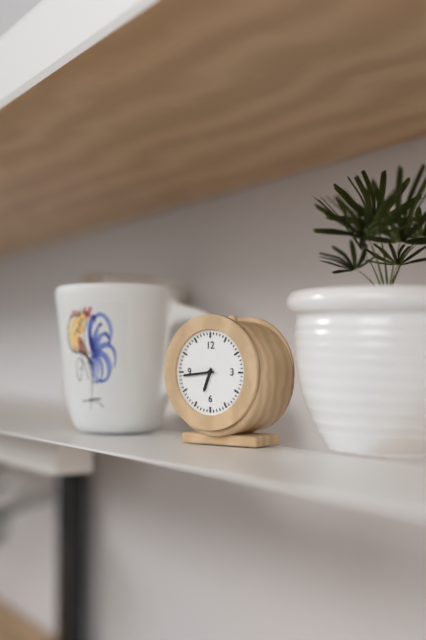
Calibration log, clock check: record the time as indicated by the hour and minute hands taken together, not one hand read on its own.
6:44
